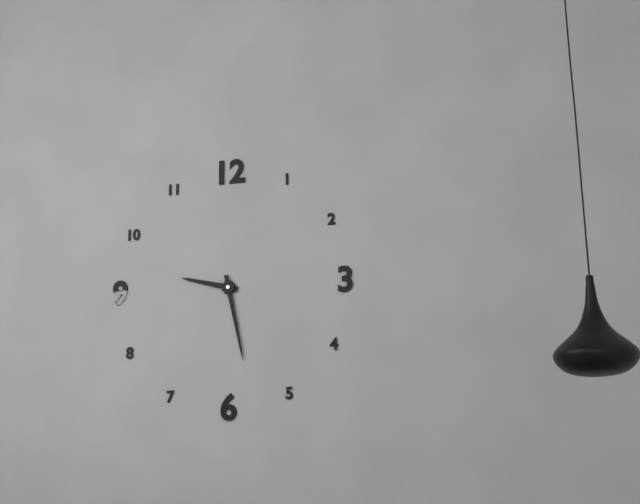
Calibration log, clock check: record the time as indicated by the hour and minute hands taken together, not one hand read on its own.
9:28
